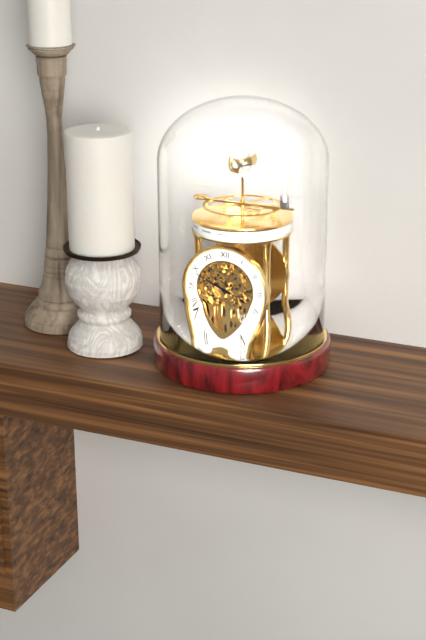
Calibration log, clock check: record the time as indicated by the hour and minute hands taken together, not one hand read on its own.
3:49
